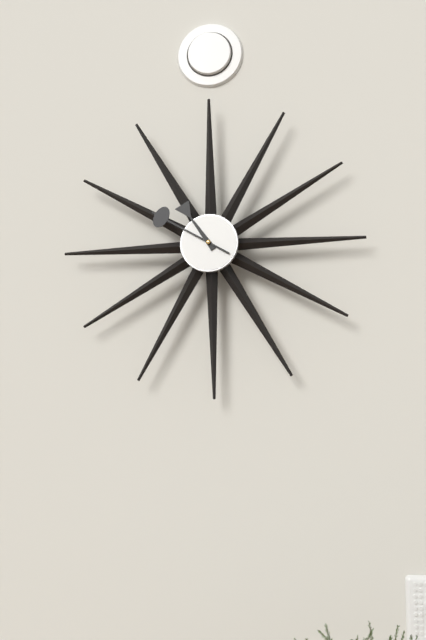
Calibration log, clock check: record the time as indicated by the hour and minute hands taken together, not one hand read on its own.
10:50
